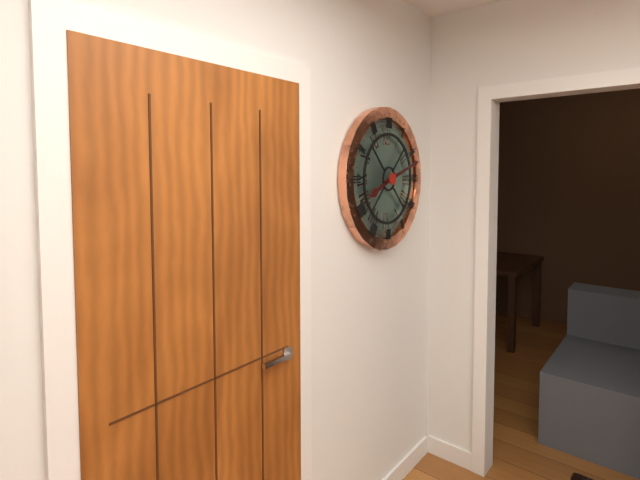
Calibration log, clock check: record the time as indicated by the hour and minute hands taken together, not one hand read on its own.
8:12
